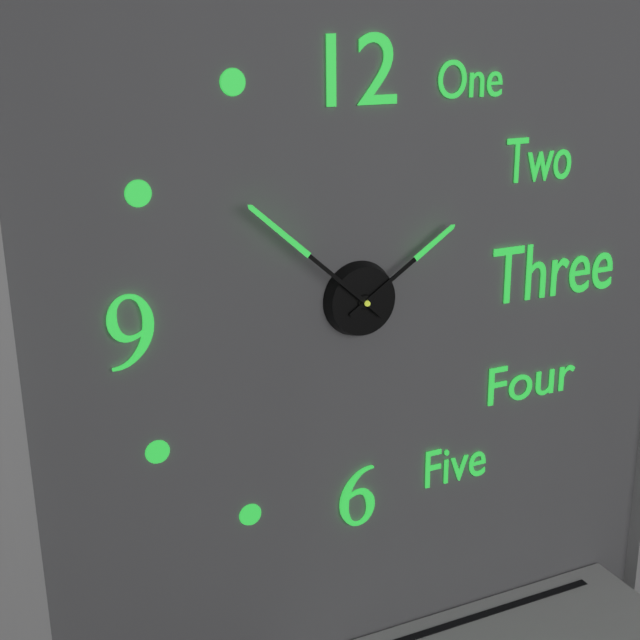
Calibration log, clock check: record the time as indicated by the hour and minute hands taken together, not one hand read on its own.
1:52
